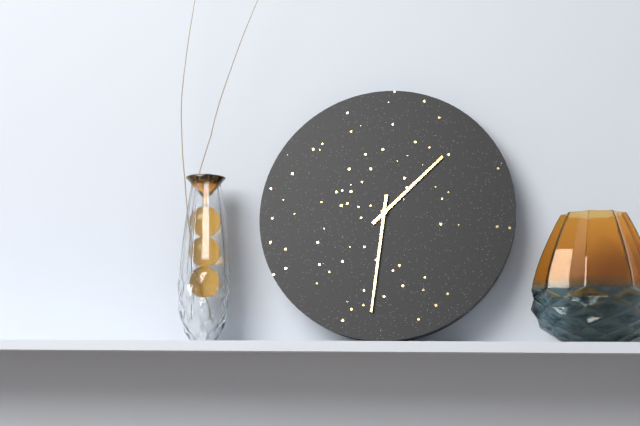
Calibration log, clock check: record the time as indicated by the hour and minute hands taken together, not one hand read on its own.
1:31
